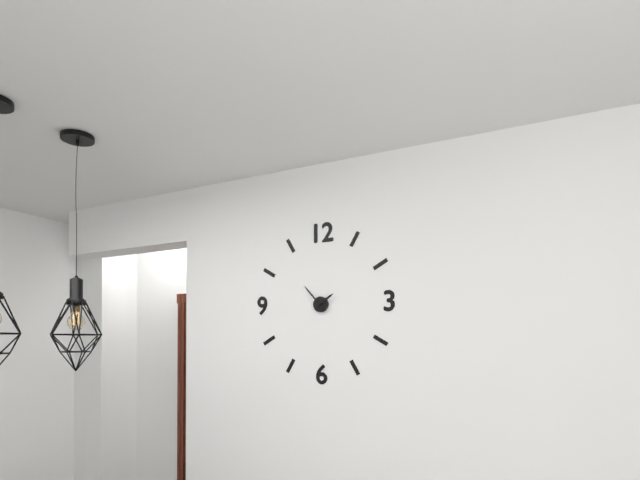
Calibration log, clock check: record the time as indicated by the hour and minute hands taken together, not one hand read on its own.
1:53
